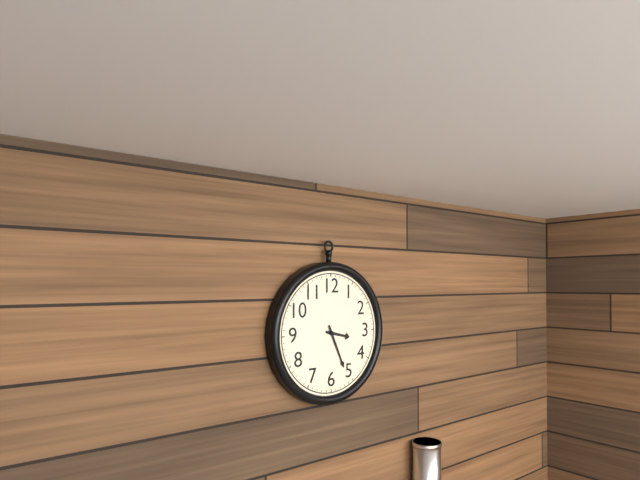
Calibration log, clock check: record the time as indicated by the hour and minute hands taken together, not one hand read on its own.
3:26
